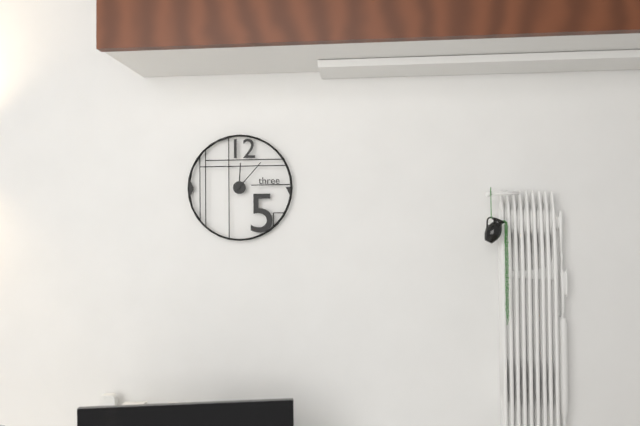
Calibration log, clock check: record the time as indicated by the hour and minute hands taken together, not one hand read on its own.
12:07
